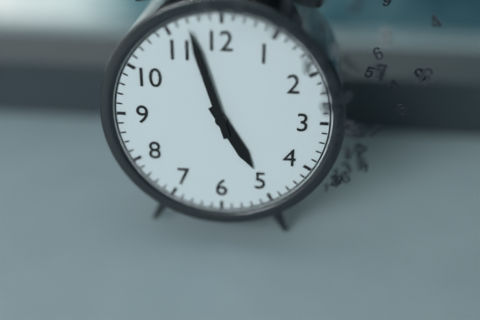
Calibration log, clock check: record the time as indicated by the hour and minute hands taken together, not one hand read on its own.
4:57
